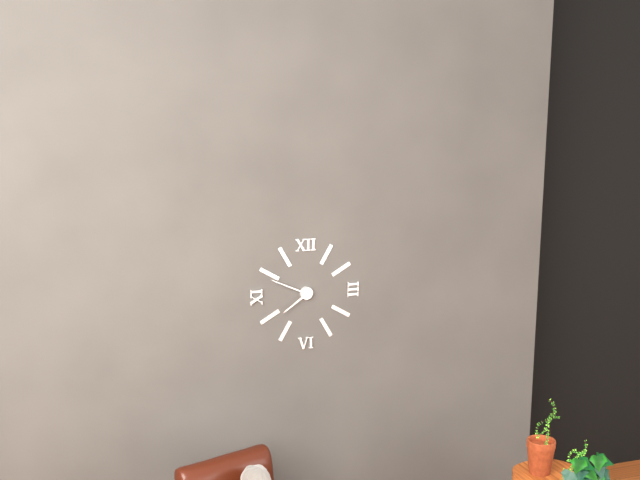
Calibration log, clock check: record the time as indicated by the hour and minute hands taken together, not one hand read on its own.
7:49
